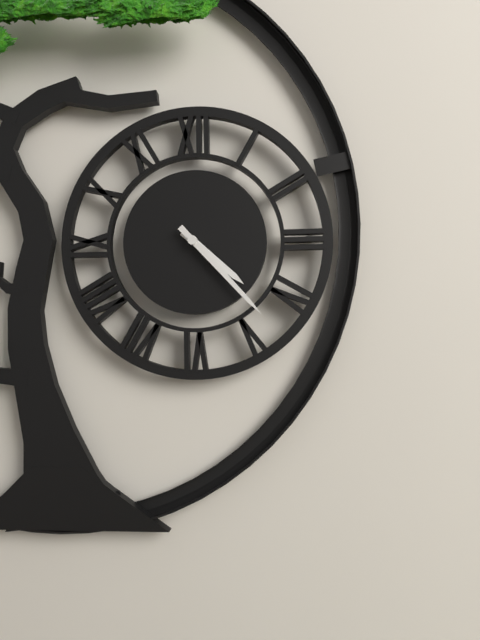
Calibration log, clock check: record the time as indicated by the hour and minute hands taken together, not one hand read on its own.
4:23
